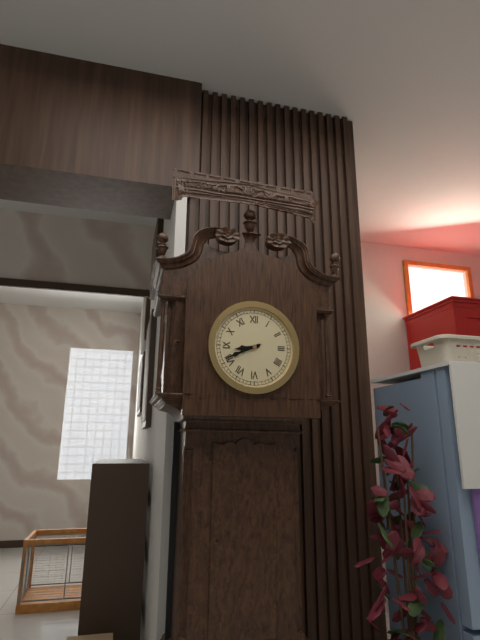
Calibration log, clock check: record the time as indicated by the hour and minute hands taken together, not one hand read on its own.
8:41
